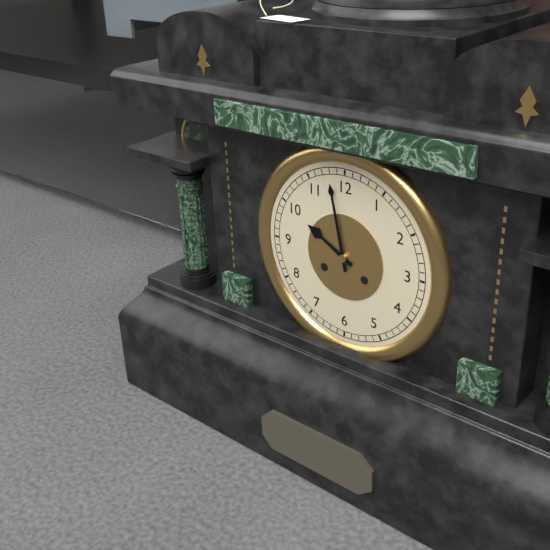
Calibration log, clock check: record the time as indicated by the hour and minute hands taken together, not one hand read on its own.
9:58
